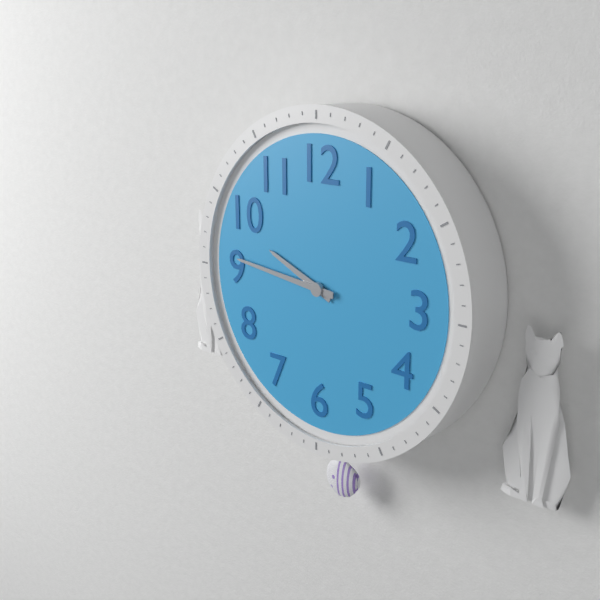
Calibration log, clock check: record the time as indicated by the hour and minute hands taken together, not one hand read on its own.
9:46
